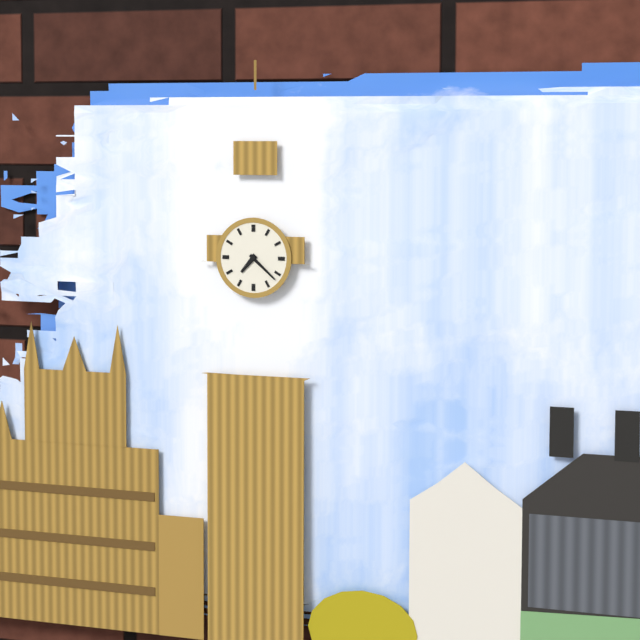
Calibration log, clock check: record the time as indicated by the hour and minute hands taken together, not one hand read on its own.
7:22
